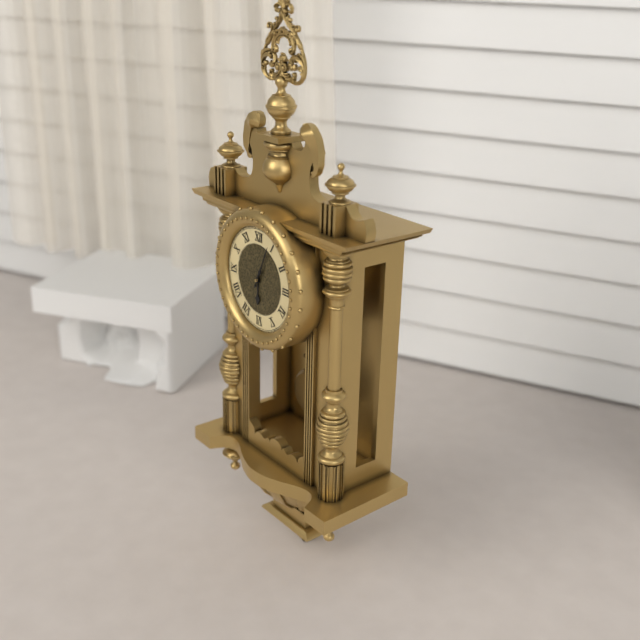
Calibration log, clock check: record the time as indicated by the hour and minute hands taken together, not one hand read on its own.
6:04
